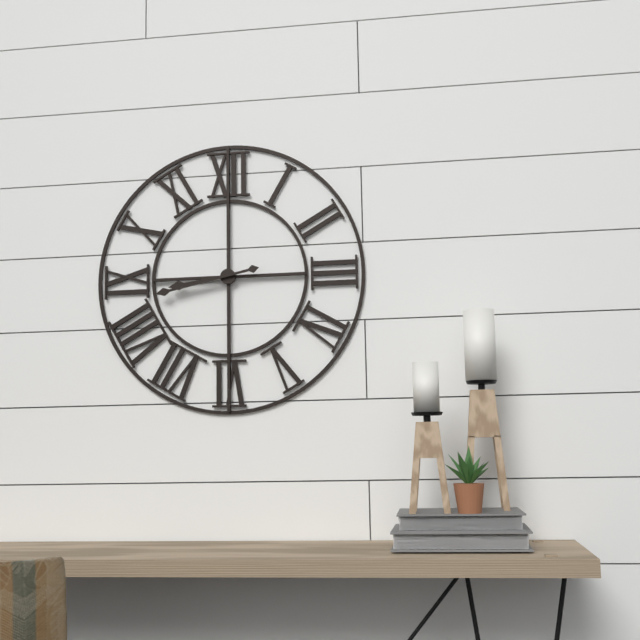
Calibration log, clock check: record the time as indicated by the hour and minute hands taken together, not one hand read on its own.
8:43
